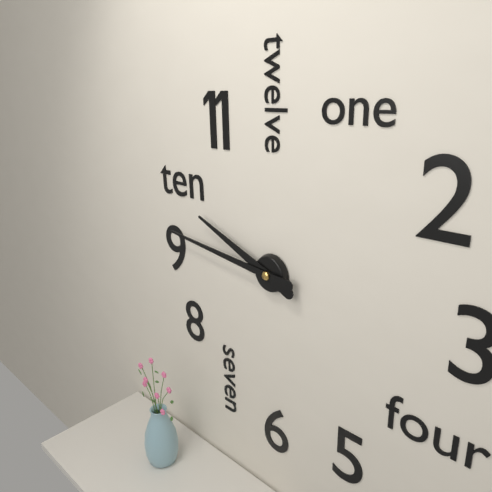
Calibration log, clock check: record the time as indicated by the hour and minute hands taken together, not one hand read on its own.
9:46
